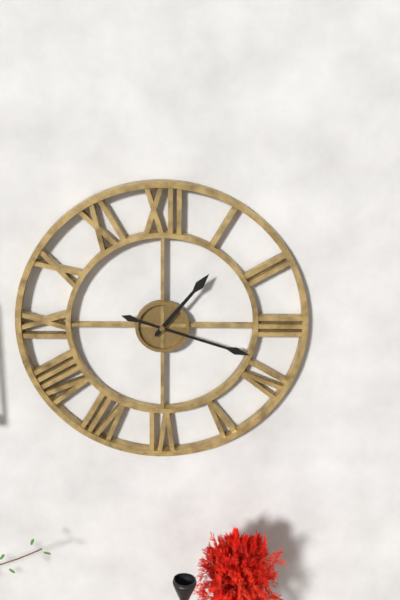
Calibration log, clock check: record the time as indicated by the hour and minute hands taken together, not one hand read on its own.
1:18
